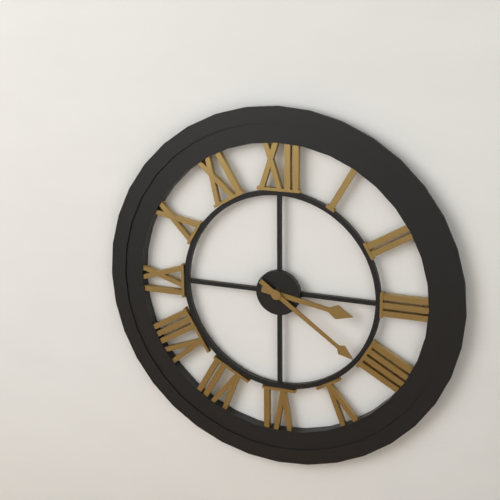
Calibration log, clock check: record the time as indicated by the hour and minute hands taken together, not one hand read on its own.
3:21
